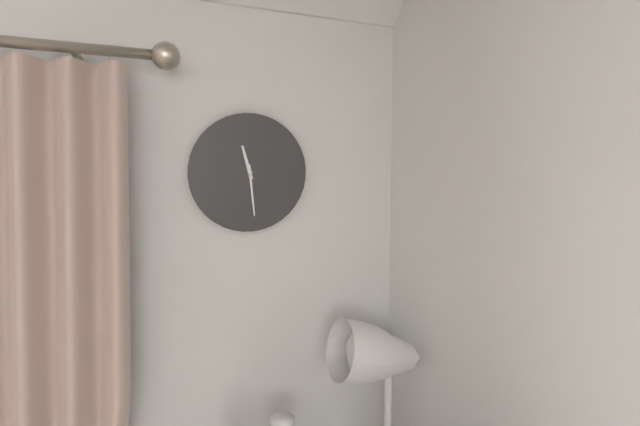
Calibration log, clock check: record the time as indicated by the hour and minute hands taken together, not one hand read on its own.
11:29
